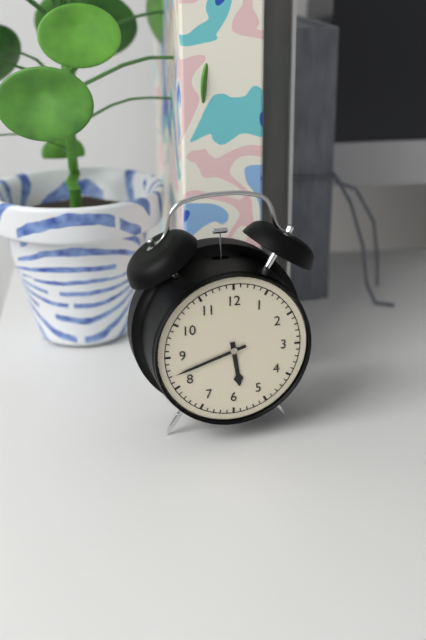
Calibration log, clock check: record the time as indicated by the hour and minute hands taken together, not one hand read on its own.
5:42
